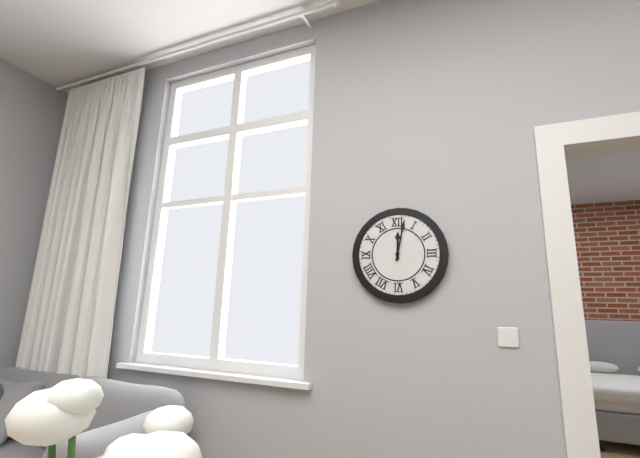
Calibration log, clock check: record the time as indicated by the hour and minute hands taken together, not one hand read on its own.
12:02
